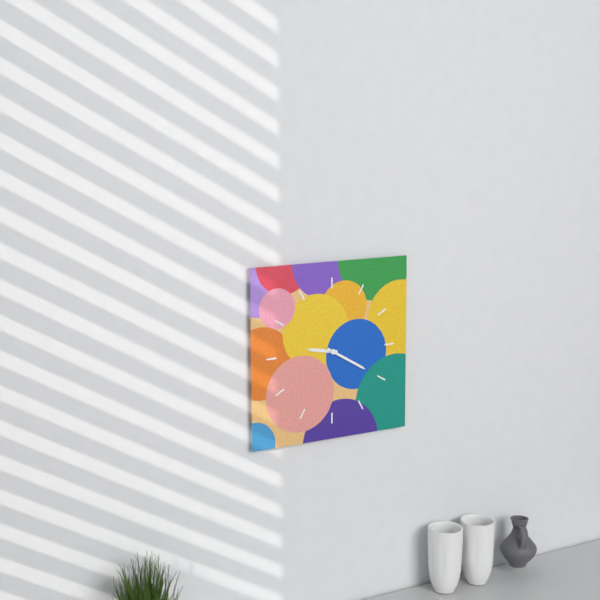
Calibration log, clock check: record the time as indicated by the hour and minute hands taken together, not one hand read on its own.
9:20
